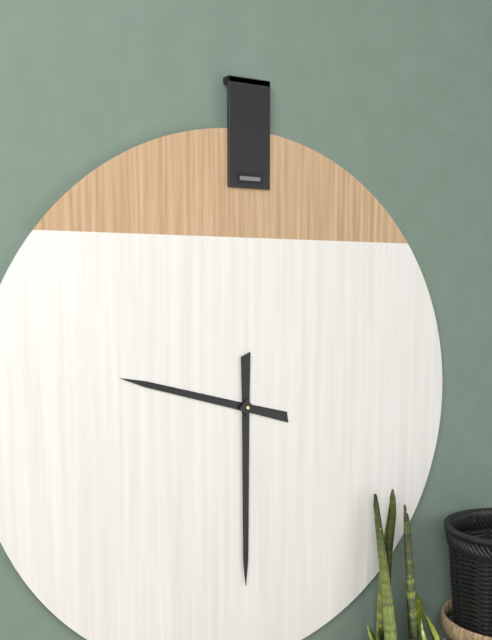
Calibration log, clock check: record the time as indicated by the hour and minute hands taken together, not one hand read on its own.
9:30
